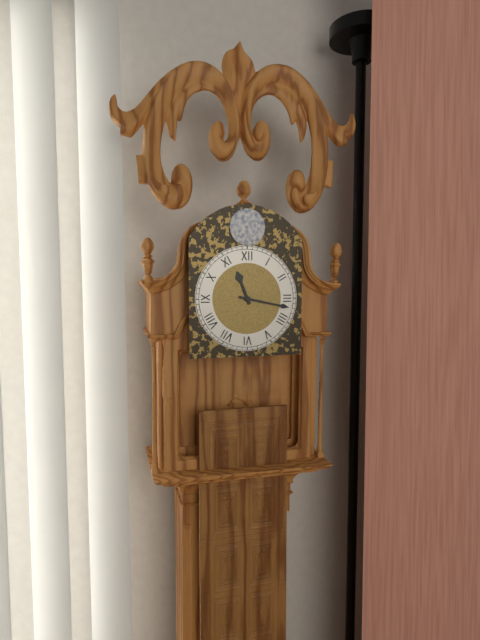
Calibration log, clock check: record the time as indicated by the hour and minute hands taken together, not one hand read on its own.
11:17
